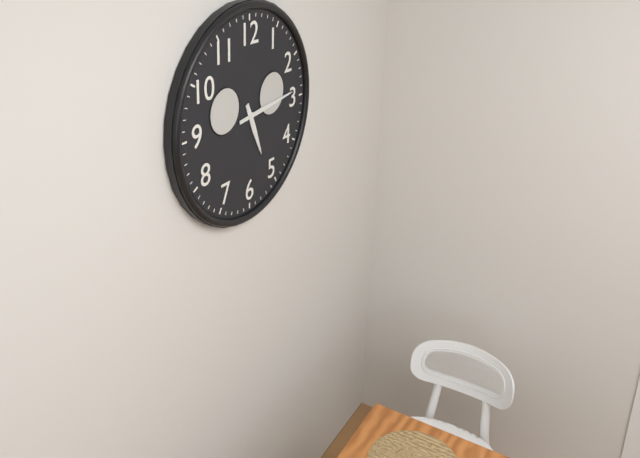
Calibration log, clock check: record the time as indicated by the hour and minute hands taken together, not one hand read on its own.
5:14
